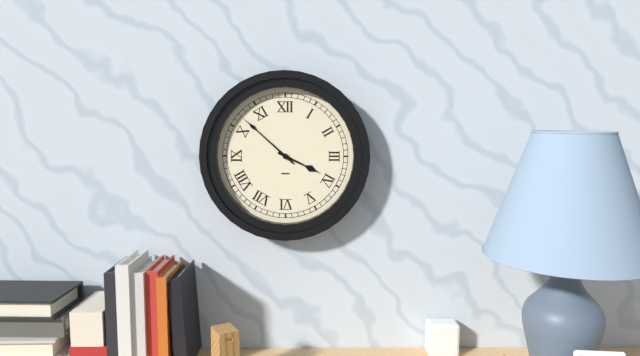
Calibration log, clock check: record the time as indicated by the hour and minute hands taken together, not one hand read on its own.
3:52
